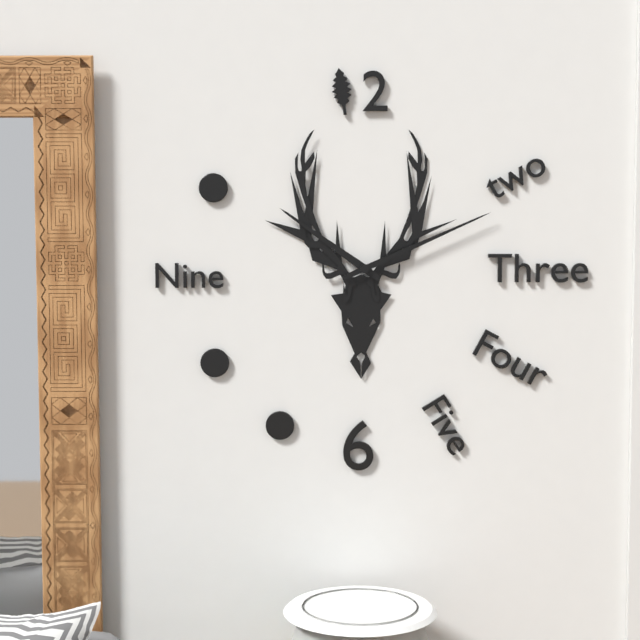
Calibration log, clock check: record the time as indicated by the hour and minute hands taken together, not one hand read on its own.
10:11
